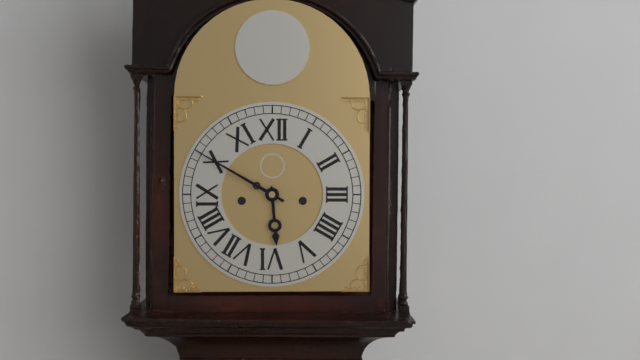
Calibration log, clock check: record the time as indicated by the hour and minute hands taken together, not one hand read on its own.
5:50
